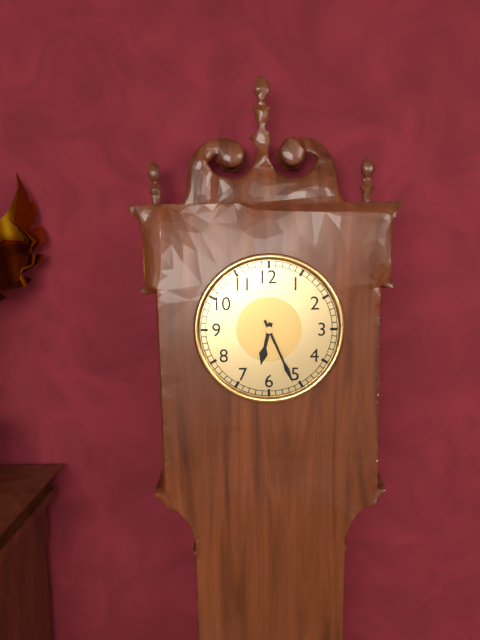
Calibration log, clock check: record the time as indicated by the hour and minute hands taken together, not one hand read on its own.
6:26
